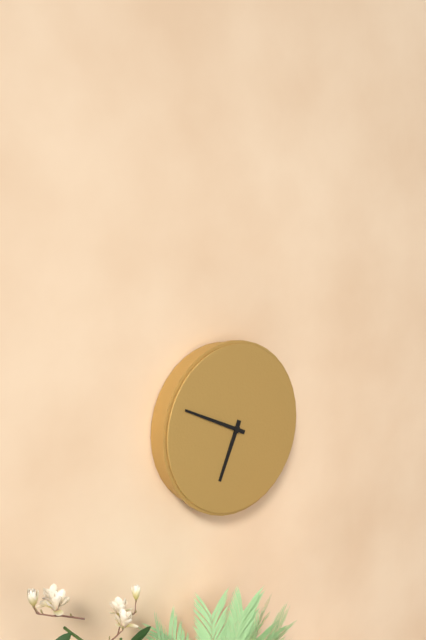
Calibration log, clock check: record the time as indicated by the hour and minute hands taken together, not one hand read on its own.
6:49
